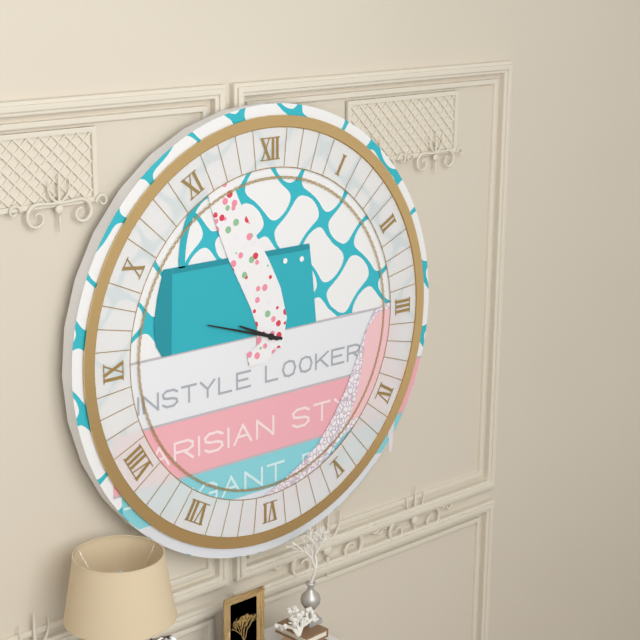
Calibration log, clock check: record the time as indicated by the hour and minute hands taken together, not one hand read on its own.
9:48
